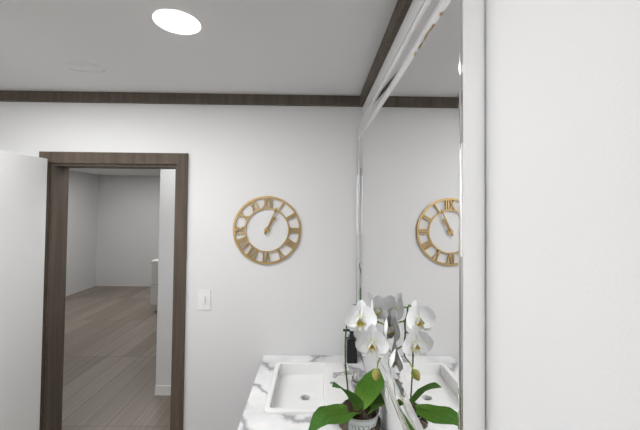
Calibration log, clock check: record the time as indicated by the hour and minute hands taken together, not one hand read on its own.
1:04
